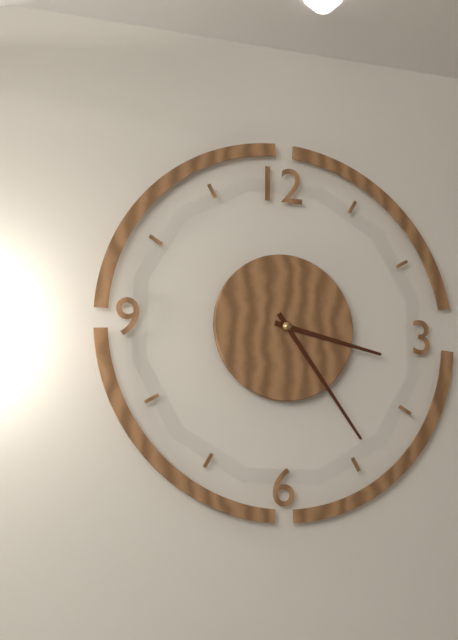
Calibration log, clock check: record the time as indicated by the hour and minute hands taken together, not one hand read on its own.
3:24
